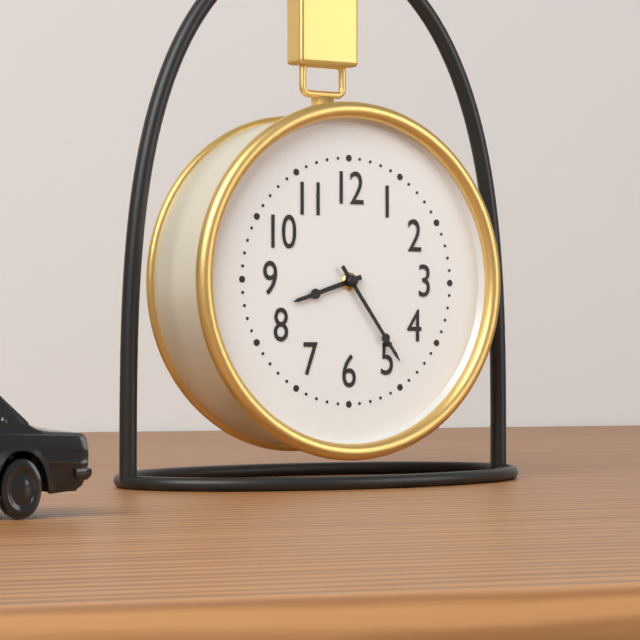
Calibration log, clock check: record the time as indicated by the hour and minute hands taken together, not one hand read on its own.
8:24
